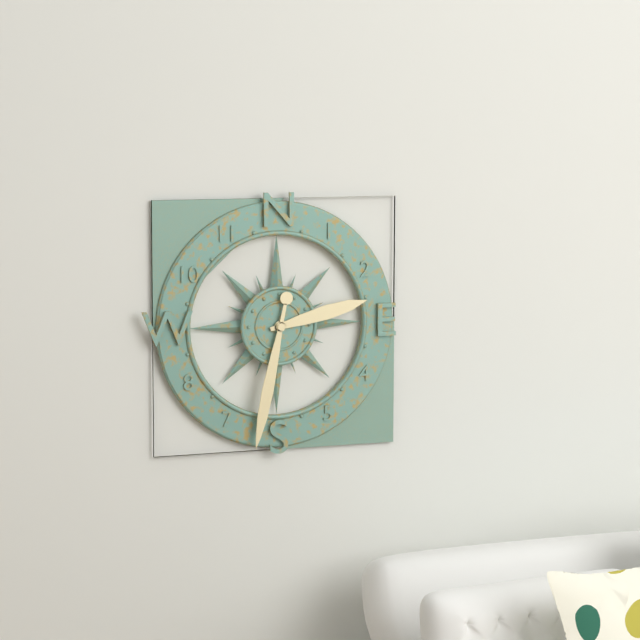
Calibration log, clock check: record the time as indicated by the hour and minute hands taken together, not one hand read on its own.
2:32
